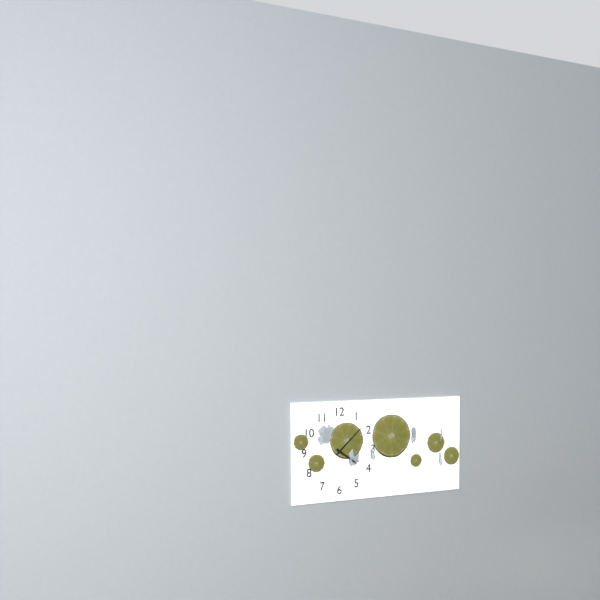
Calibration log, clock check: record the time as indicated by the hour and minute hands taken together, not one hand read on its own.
4:08
